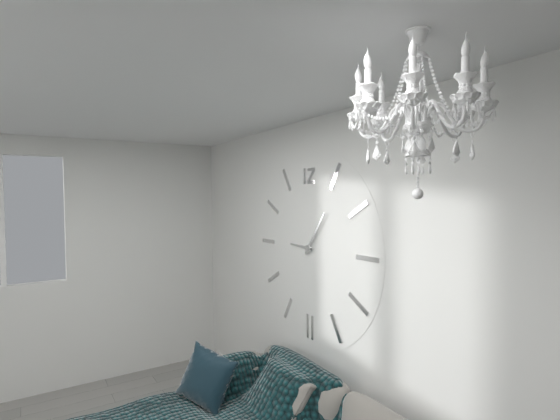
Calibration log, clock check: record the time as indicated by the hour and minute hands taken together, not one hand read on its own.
9:06
